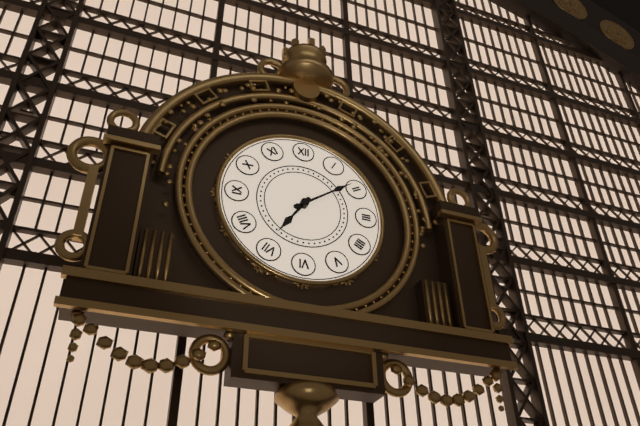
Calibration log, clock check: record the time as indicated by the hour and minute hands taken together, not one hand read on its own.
7:09
